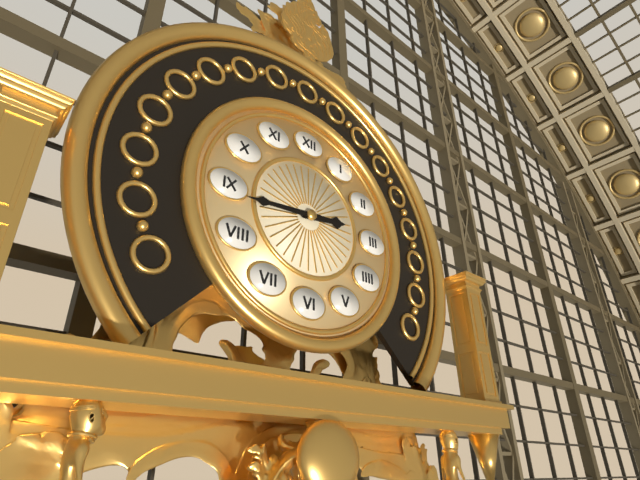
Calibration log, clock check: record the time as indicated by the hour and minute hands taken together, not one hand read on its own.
2:44
